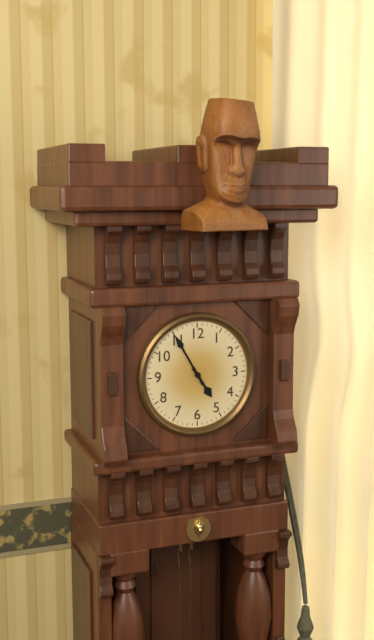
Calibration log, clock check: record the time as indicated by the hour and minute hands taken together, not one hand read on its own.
4:55
